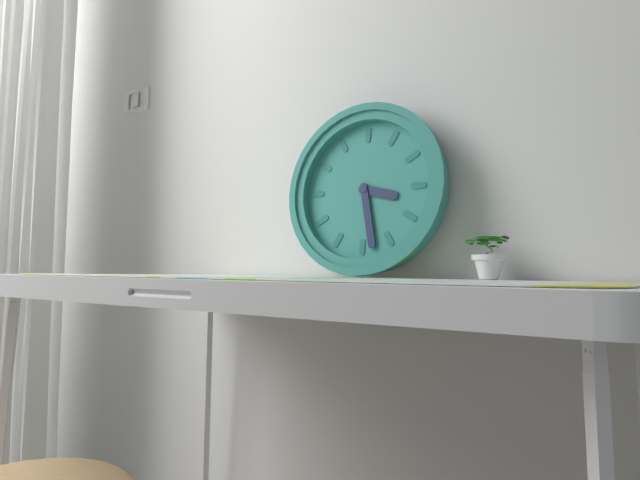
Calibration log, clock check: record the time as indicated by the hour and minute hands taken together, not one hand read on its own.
3:28
